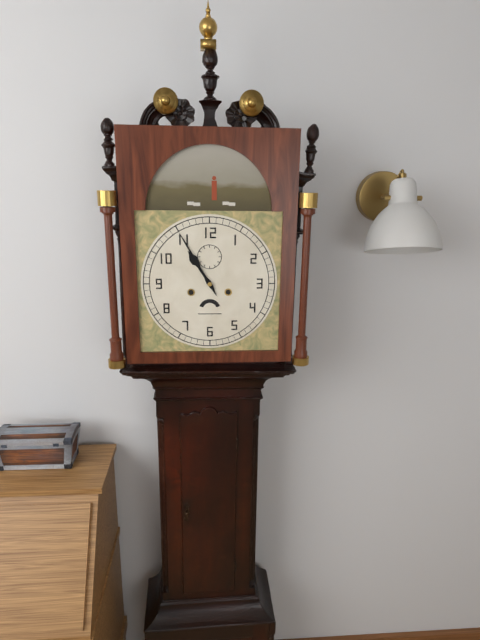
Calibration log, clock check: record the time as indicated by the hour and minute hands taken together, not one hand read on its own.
10:55
